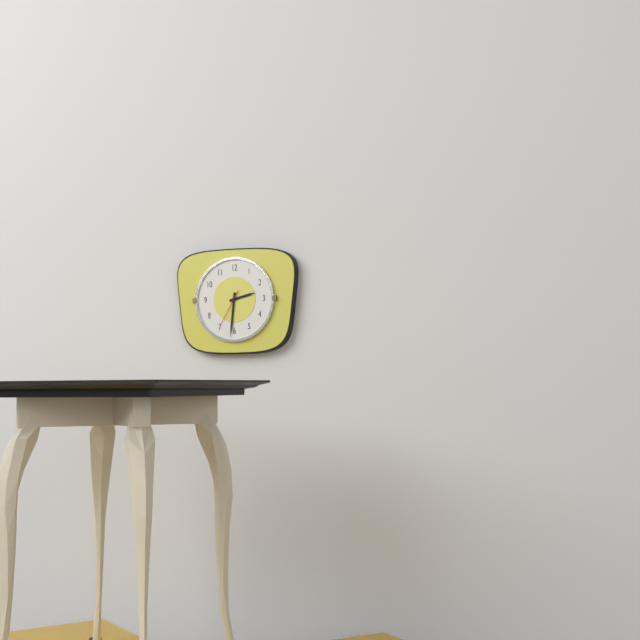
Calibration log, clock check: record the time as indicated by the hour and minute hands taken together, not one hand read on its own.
2:31
